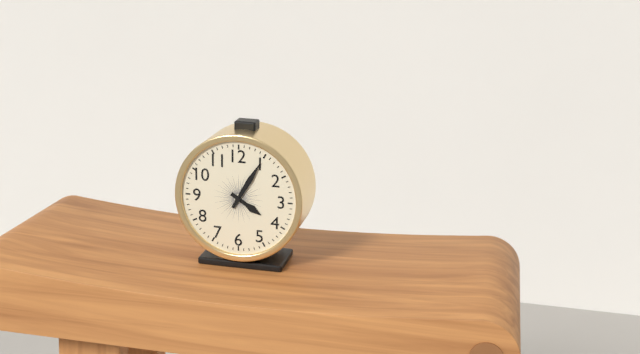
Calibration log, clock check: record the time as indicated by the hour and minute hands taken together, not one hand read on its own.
4:05
